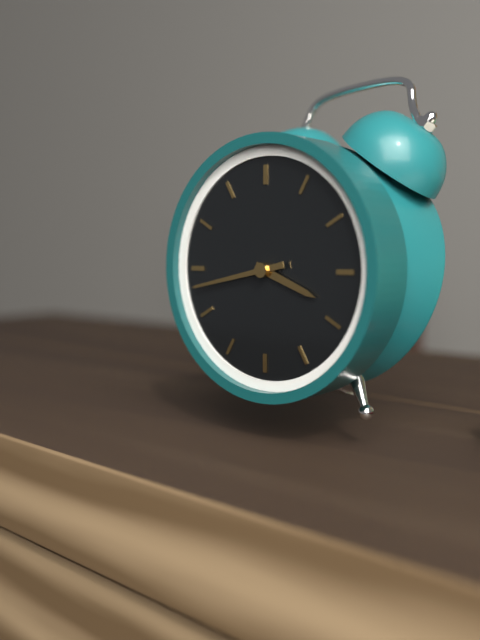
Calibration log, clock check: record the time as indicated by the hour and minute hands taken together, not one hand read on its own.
3:43
